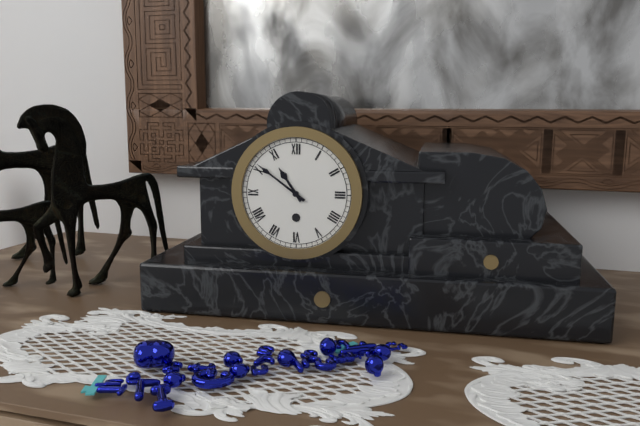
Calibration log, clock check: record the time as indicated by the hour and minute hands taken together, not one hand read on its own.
10:51
